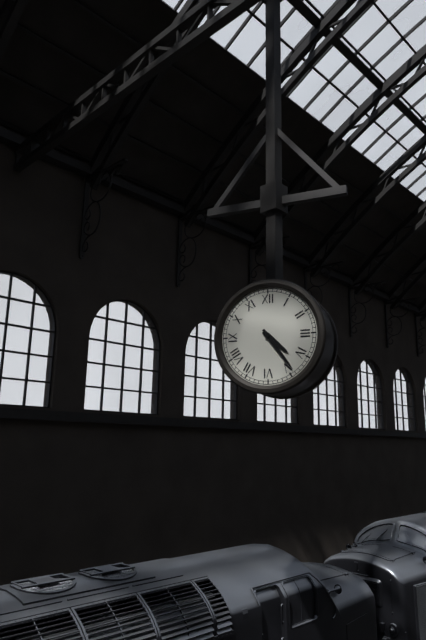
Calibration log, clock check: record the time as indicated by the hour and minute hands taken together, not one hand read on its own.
4:24
